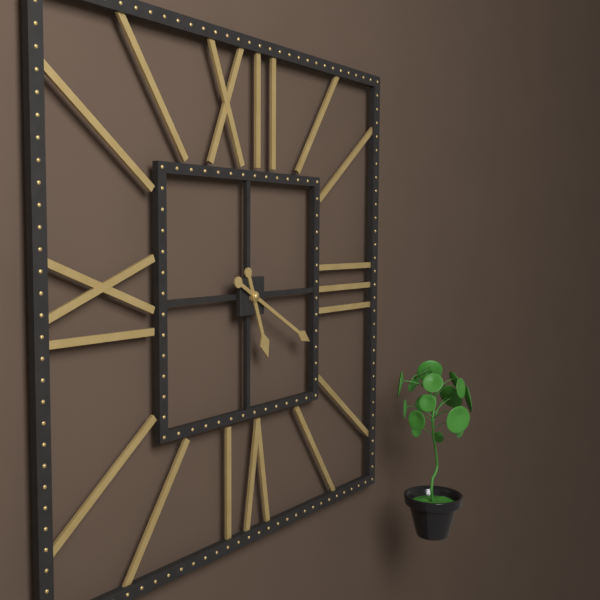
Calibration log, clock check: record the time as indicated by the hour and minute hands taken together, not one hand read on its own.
5:20
